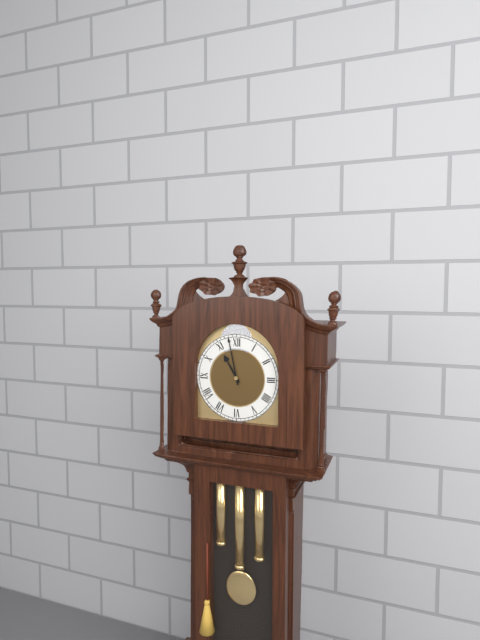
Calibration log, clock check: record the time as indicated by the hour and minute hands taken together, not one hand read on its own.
10:58
